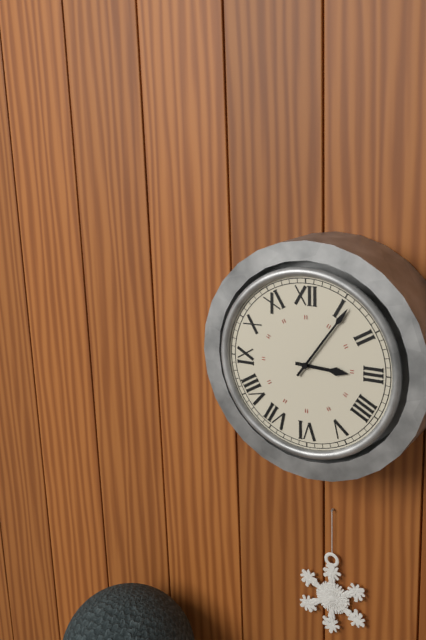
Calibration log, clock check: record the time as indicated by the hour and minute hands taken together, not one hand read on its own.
3:06
